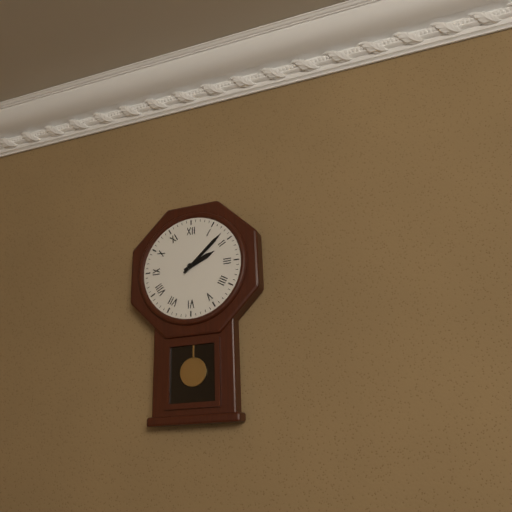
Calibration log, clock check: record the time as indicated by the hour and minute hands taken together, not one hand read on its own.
2:08
